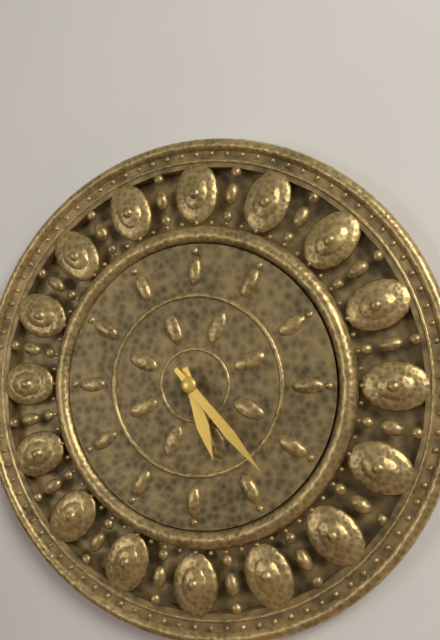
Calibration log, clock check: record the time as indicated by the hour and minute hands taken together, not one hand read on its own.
5:23
